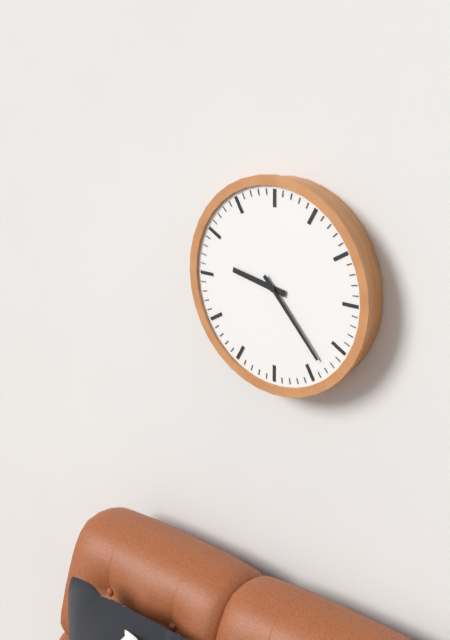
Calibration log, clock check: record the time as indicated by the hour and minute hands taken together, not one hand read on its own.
9:23
